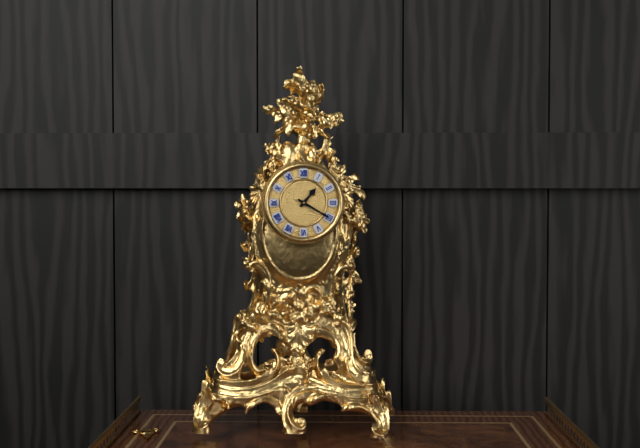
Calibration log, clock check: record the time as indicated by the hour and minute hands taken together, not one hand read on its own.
1:20
